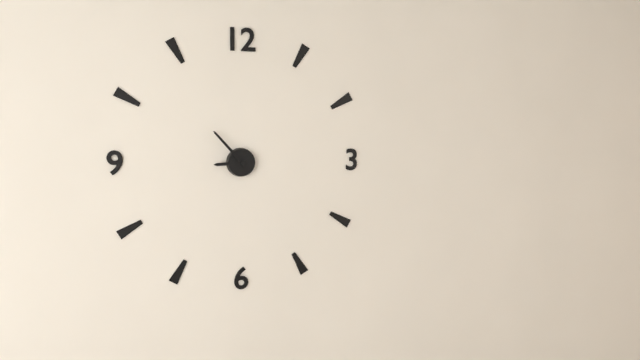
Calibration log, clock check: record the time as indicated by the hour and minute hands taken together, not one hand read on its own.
8:53
